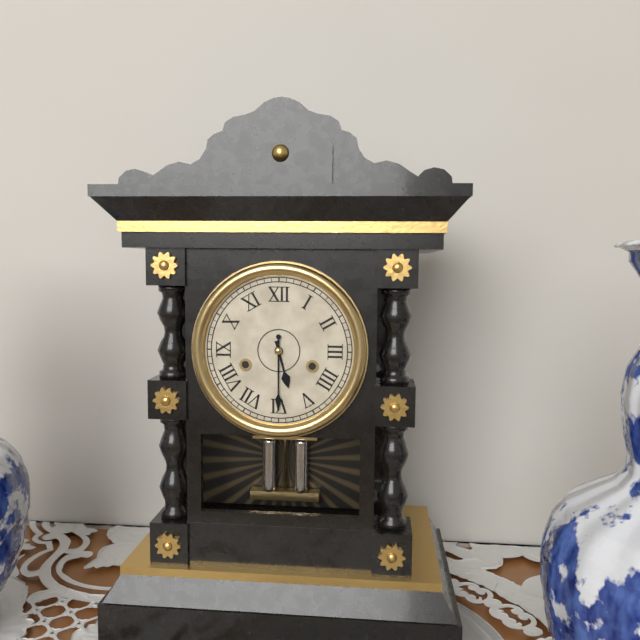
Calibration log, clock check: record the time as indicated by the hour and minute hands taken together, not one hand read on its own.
5:30
